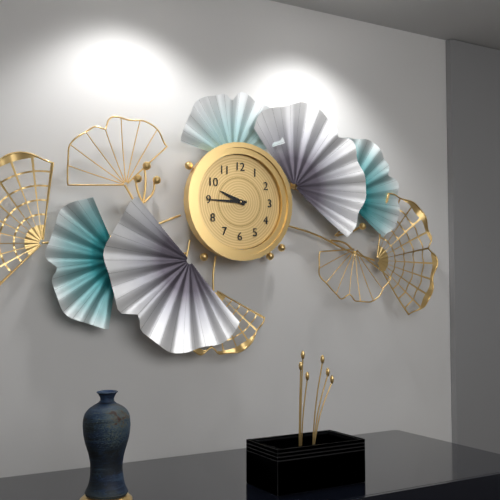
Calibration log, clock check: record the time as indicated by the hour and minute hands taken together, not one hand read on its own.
9:45
